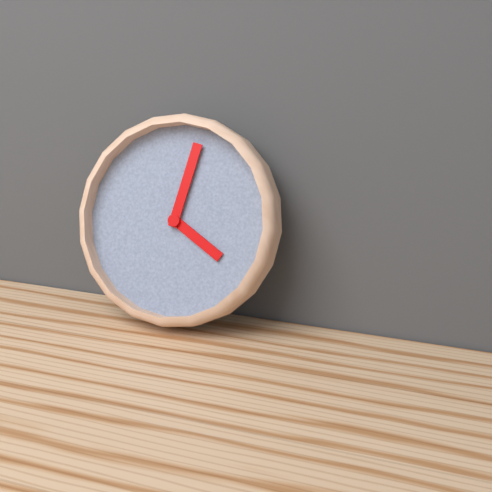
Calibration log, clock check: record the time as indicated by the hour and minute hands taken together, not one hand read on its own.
4:02
